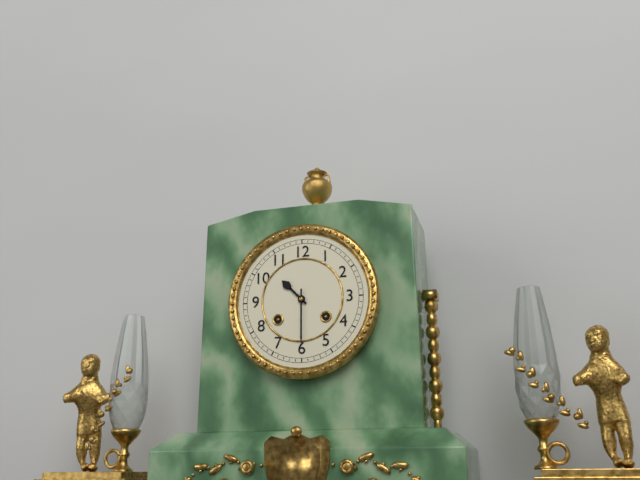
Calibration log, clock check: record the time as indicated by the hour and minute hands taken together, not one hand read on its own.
10:30
